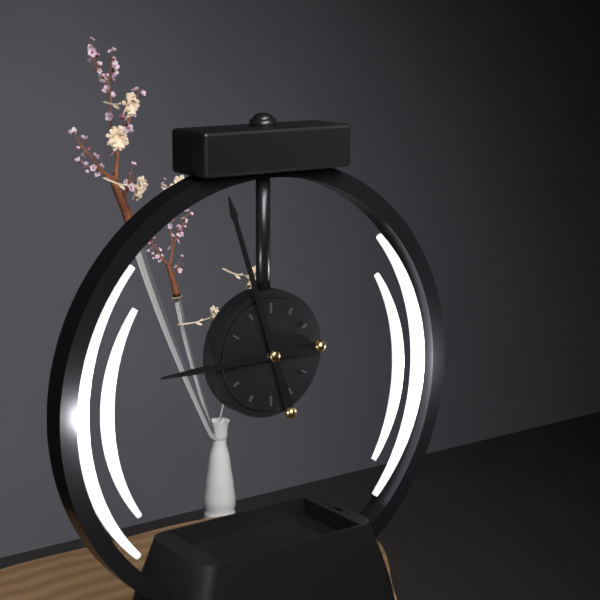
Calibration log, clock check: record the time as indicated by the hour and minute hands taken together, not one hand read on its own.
8:57
